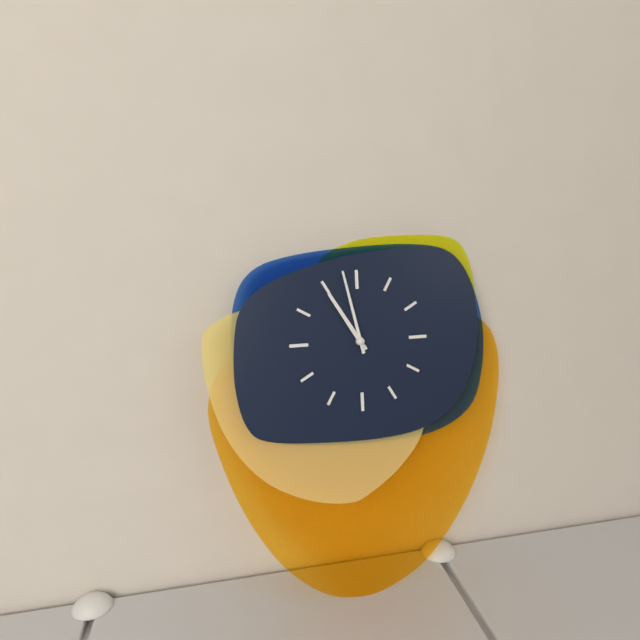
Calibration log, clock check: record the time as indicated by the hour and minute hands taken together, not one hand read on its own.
10:58
